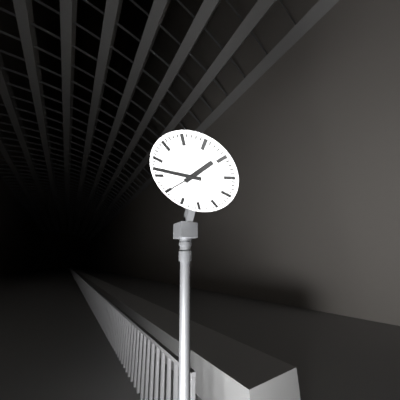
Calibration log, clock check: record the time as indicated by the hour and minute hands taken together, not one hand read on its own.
2:52
